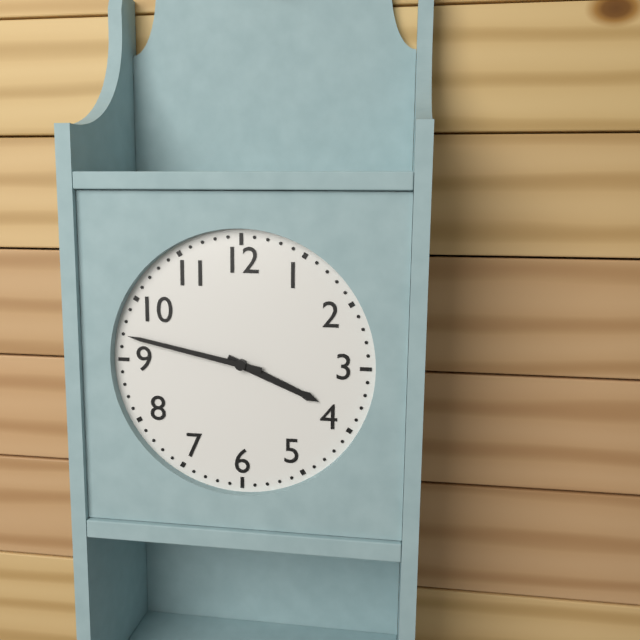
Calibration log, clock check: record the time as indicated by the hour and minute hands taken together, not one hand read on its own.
3:47
